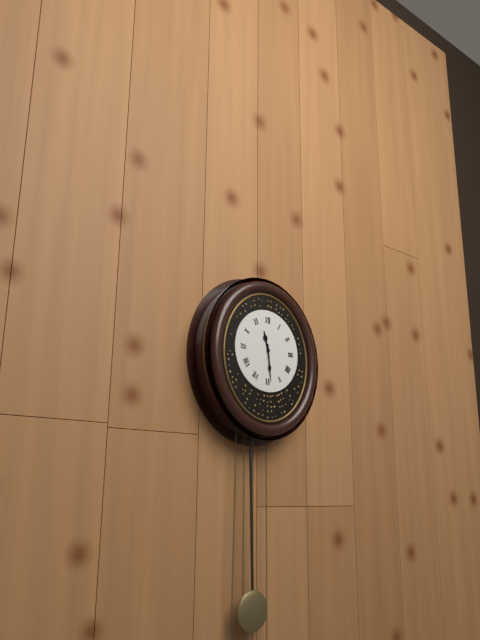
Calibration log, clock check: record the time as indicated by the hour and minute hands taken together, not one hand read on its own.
11:29
